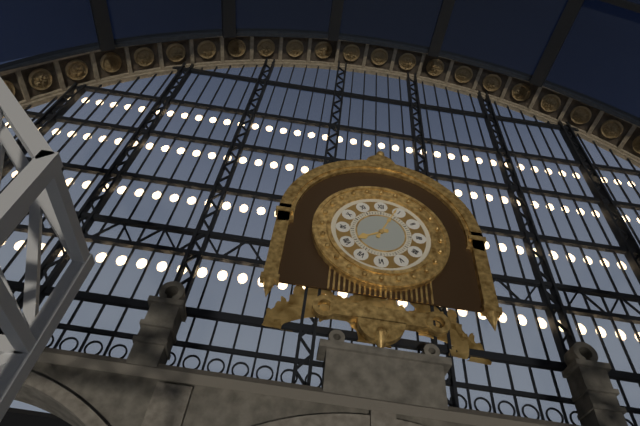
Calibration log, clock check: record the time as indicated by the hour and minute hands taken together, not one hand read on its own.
8:04
